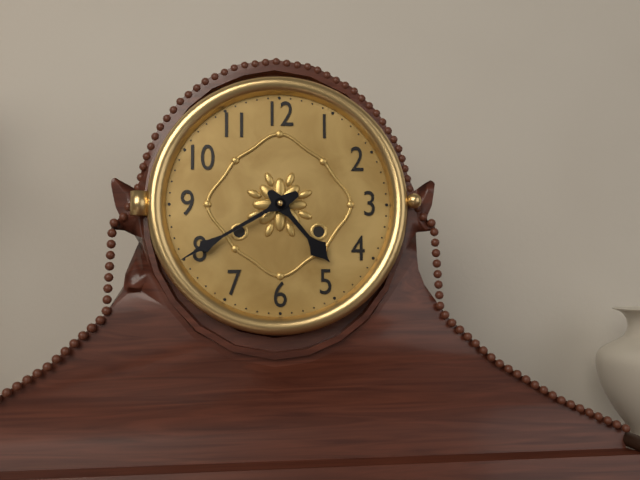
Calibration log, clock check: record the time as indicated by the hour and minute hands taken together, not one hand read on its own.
4:40
